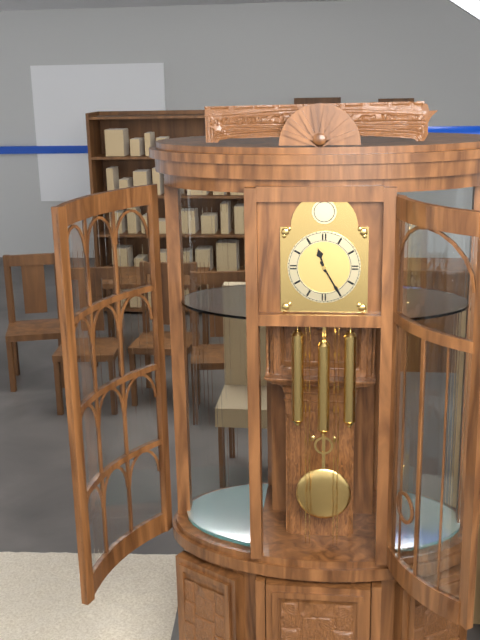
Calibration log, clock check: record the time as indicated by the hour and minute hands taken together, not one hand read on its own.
11:25
